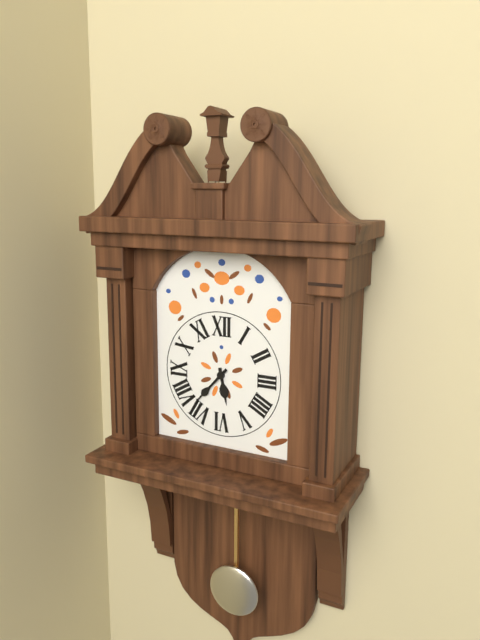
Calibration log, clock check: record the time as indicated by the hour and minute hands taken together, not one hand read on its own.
5:37
